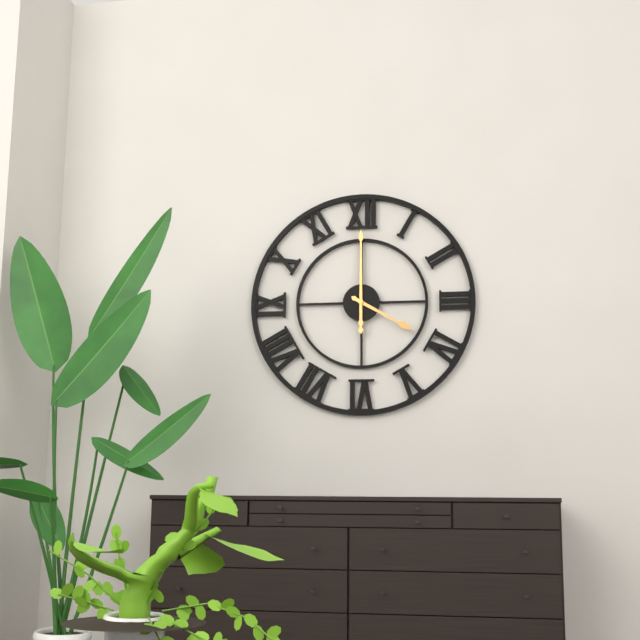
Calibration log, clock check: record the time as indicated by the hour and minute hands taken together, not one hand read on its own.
4:00
